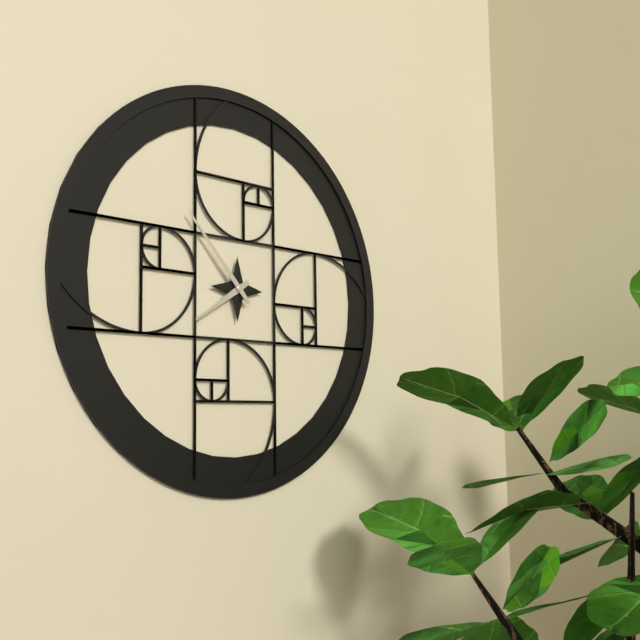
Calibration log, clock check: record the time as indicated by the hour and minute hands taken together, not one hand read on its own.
7:53
